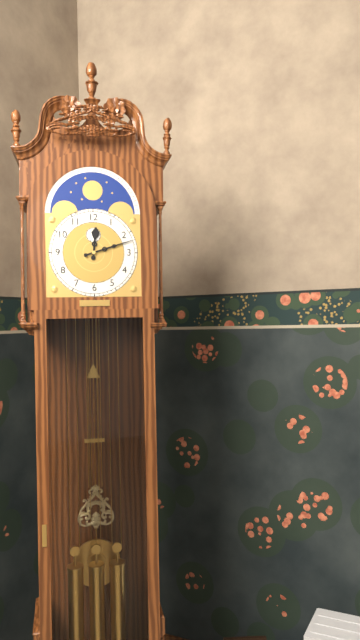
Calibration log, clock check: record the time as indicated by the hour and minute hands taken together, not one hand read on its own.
12:12
